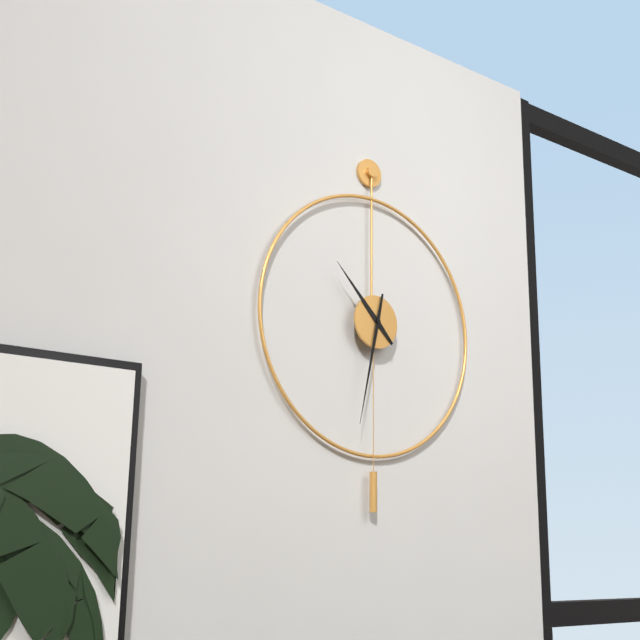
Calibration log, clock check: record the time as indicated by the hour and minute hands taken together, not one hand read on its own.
10:32
